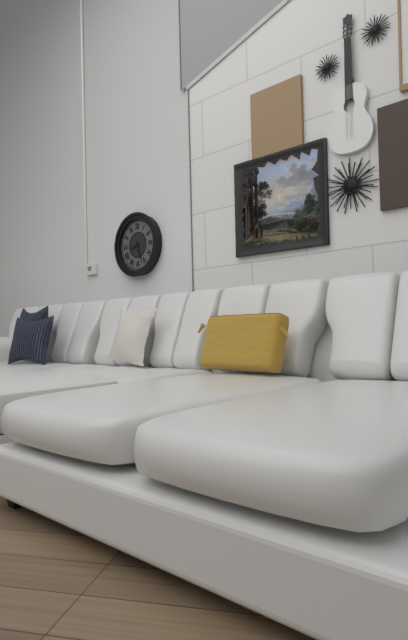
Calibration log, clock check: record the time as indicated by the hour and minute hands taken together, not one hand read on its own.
8:27
